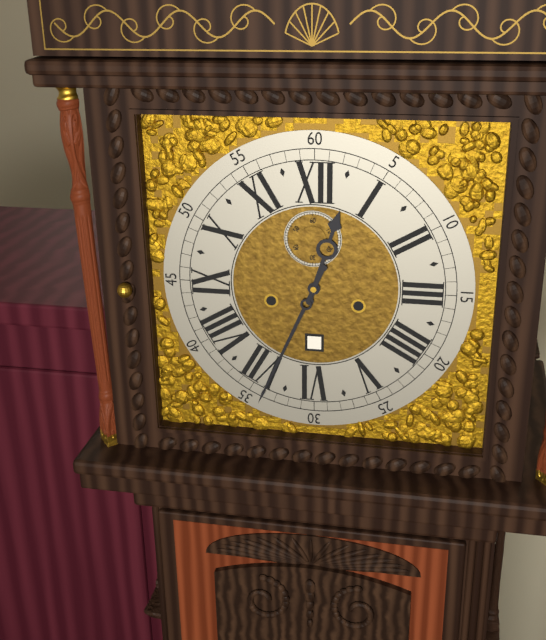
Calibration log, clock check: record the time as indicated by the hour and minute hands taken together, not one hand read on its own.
12:34
